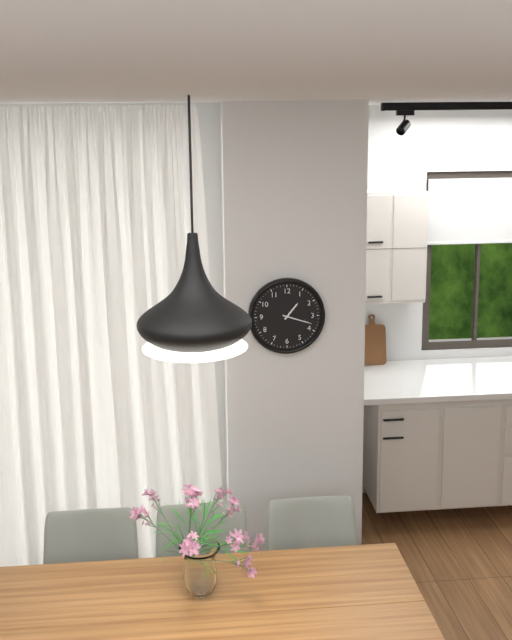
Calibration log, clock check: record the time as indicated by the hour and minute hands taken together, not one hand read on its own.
1:18
